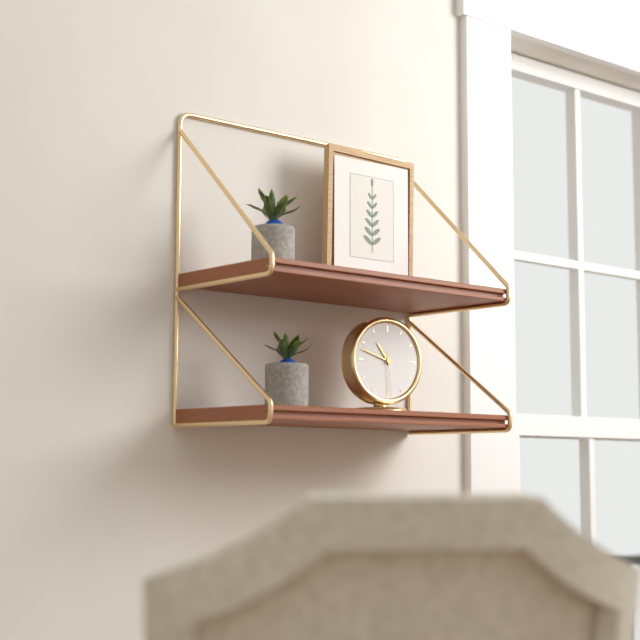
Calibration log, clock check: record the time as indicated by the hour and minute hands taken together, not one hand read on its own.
10:48
